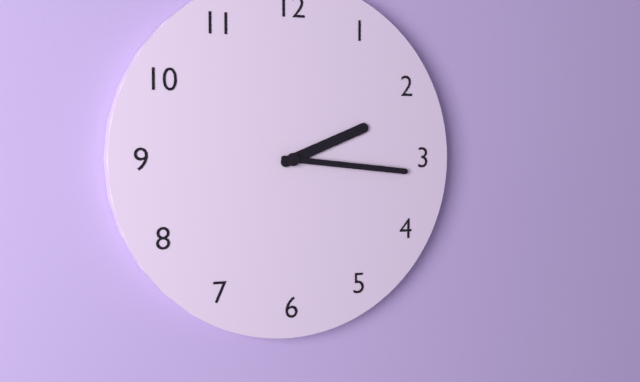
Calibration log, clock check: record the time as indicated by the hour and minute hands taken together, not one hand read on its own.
2:16
